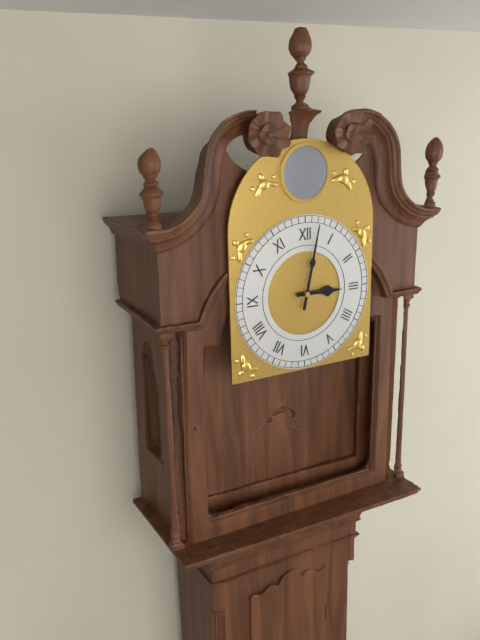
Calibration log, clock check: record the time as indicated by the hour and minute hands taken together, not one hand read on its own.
3:02
